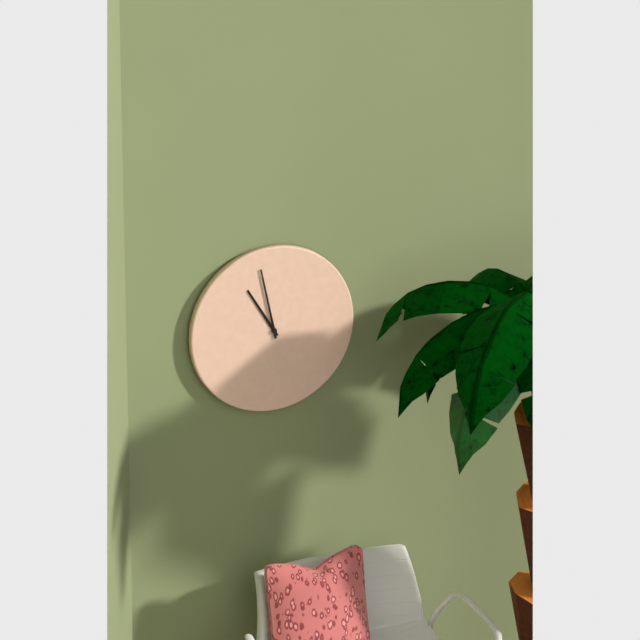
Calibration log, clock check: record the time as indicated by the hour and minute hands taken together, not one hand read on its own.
10:58
